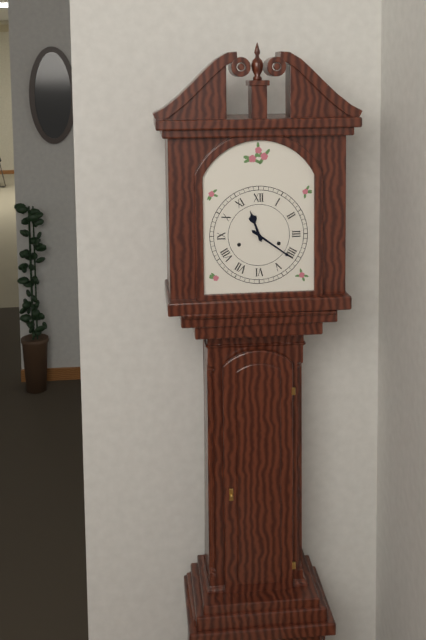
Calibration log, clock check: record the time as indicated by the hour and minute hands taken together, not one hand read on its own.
11:21
